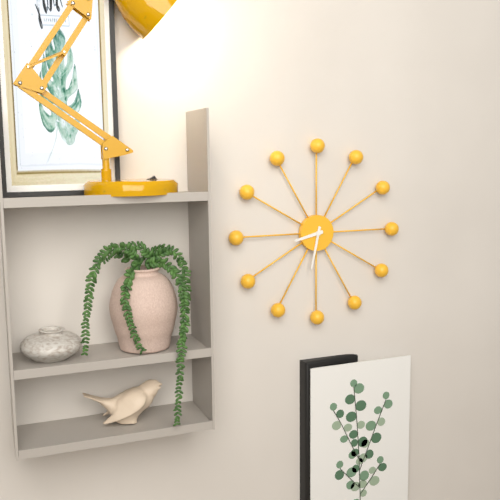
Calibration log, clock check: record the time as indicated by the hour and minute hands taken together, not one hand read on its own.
8:32
